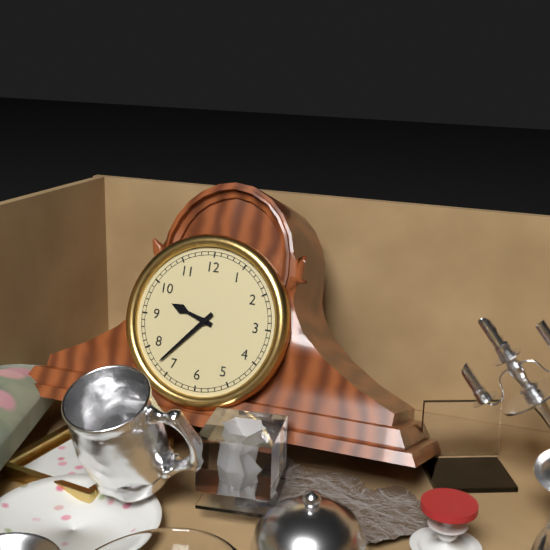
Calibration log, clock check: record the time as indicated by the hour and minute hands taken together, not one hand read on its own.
9:37
